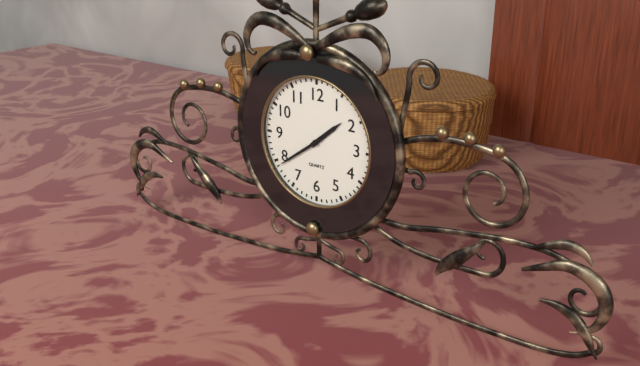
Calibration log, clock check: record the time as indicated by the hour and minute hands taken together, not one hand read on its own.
1:39
